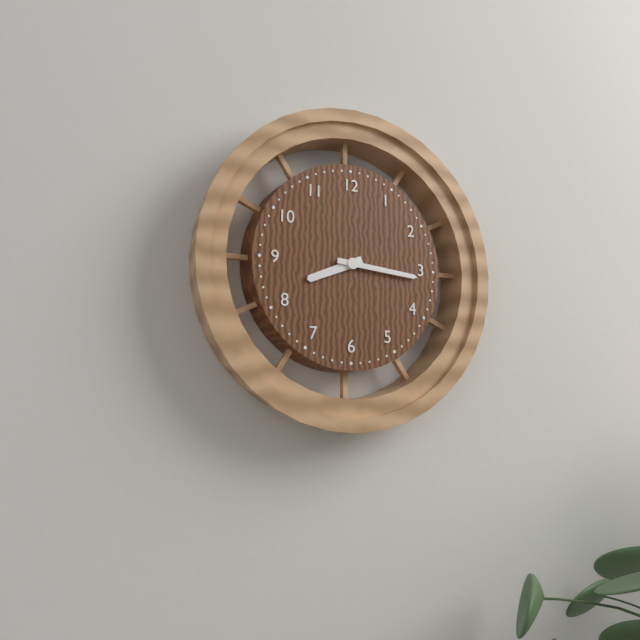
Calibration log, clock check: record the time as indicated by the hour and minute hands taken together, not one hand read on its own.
8:16
